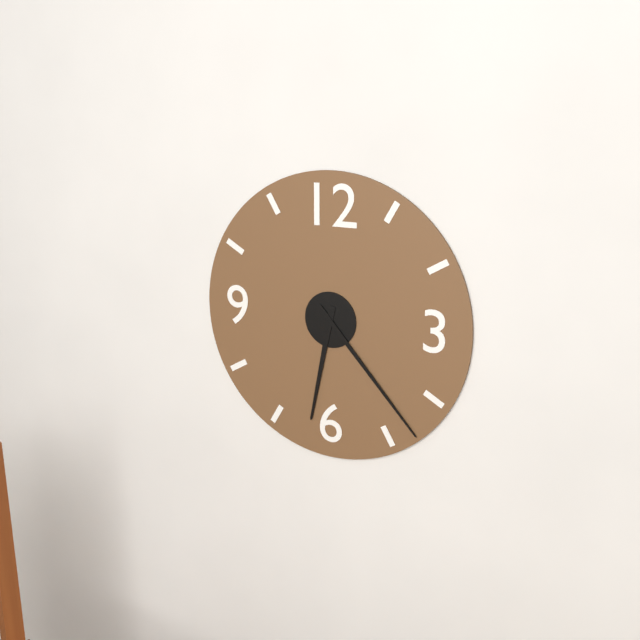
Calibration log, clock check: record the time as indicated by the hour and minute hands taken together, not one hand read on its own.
6:23
